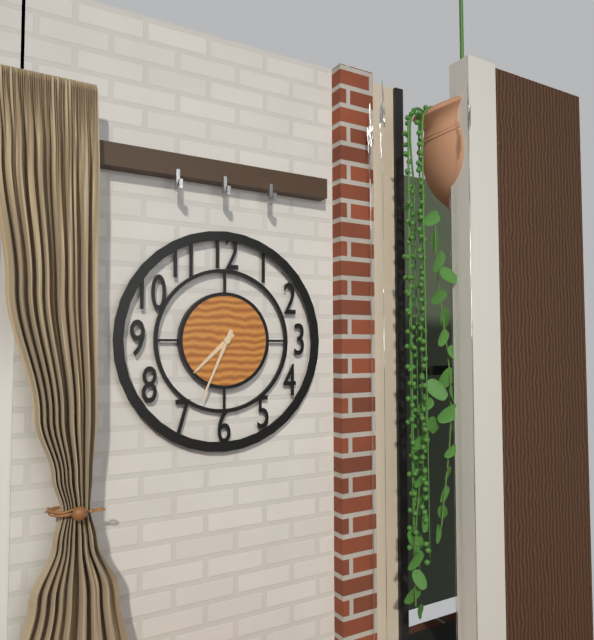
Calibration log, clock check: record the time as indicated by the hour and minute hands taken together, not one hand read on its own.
7:34
